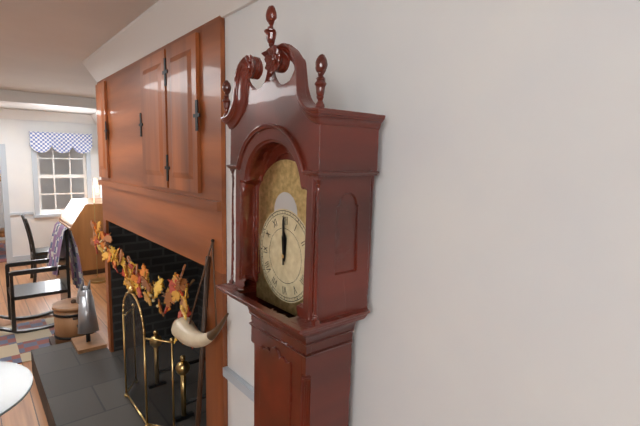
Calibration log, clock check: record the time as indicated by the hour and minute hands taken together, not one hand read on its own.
12:00
